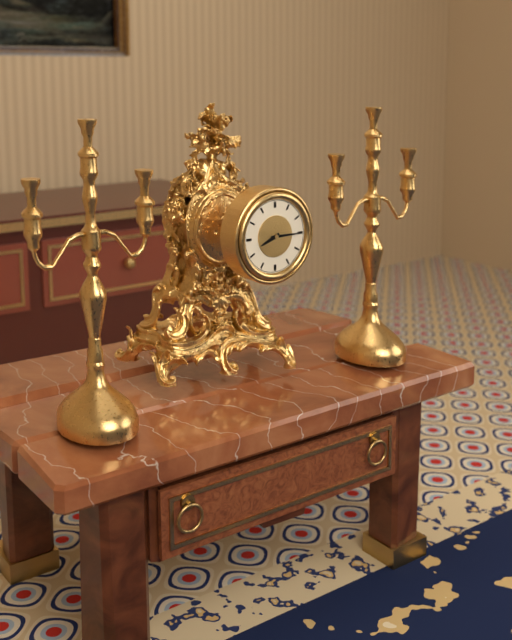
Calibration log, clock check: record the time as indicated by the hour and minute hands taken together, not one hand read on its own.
8:15
